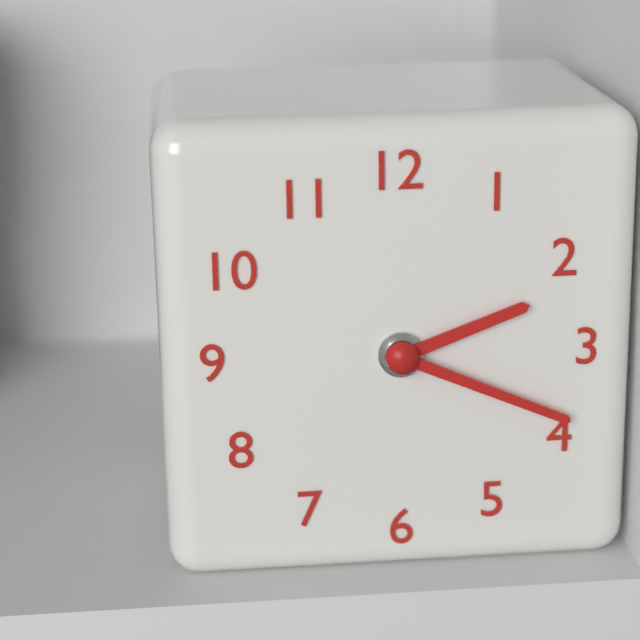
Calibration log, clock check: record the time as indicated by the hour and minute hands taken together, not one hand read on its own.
2:19
